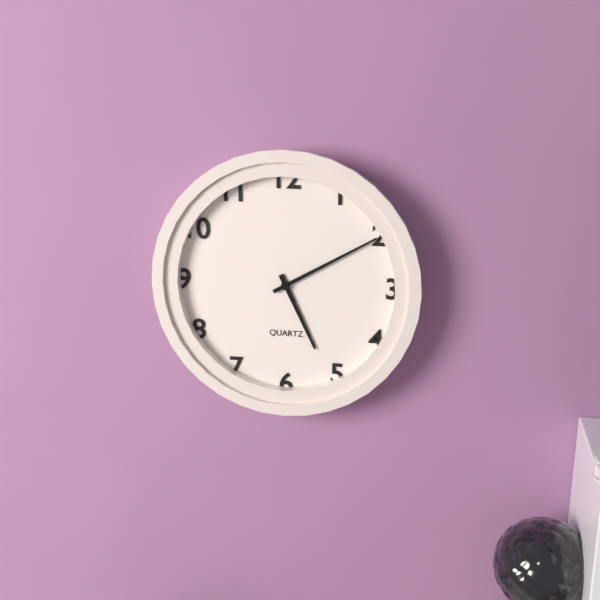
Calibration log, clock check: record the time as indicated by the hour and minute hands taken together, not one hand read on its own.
5:10
